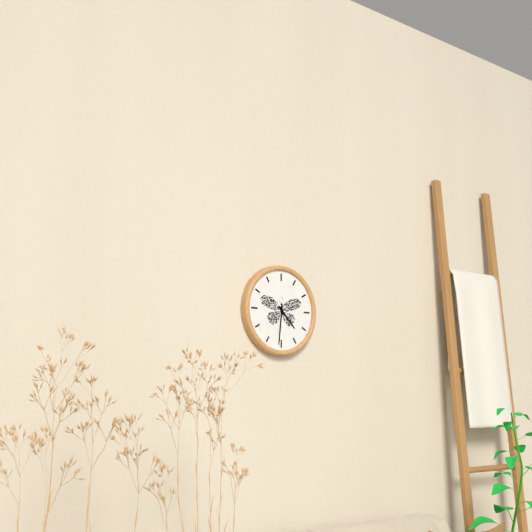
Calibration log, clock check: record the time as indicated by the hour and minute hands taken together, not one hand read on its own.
4:31
